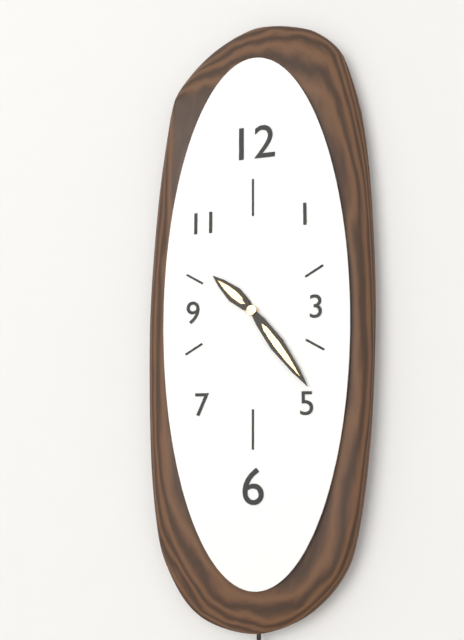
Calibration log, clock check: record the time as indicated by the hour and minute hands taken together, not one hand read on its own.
10:24
